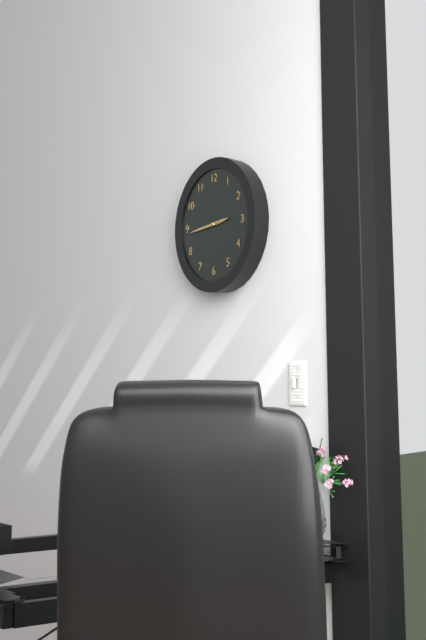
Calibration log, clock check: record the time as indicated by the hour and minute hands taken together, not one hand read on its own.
2:44
